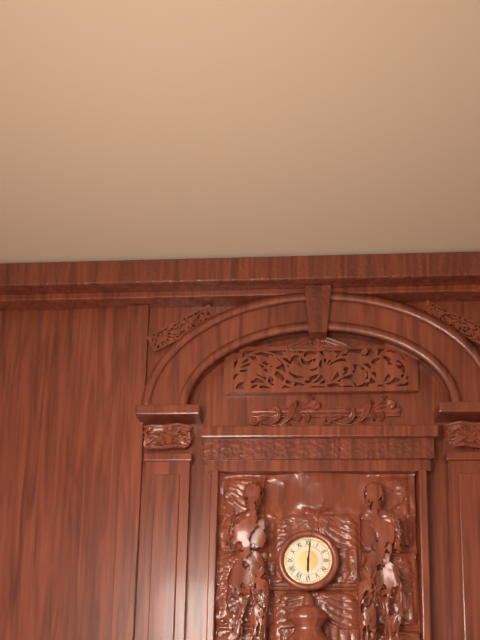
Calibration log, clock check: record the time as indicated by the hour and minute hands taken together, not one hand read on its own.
6:01
